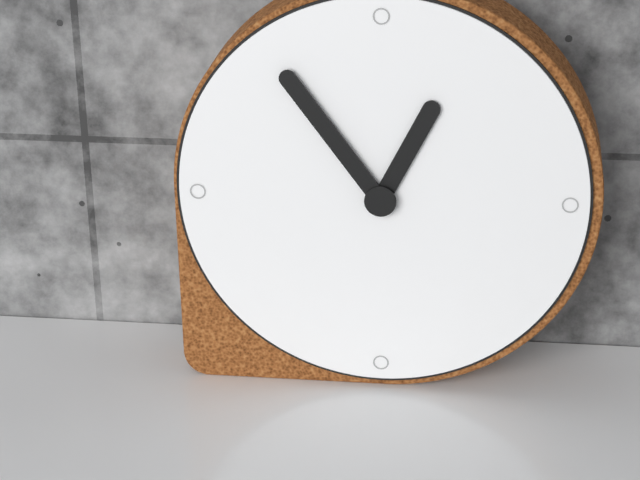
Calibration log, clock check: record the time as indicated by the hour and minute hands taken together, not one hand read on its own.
12:54
